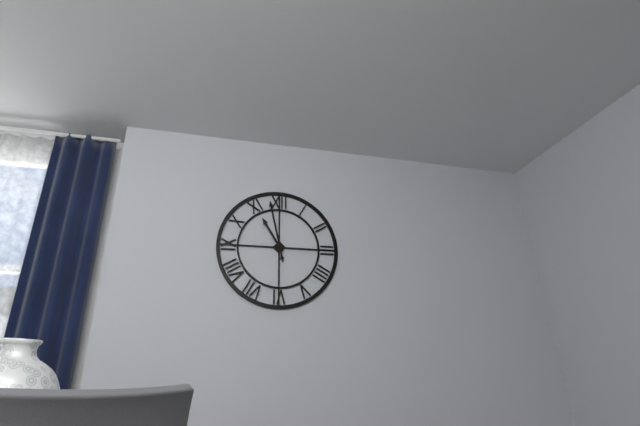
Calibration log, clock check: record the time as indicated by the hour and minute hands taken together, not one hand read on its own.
10:58
